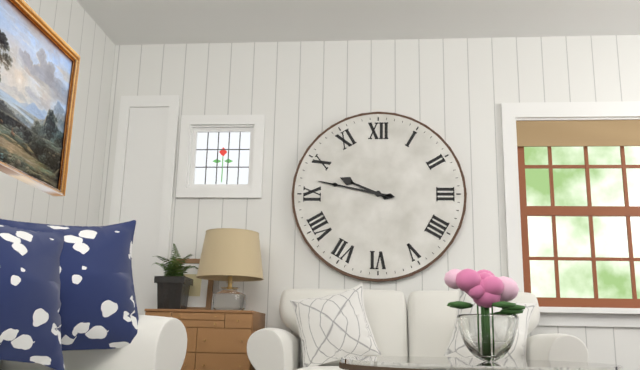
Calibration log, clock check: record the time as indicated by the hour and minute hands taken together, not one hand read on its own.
9:47
